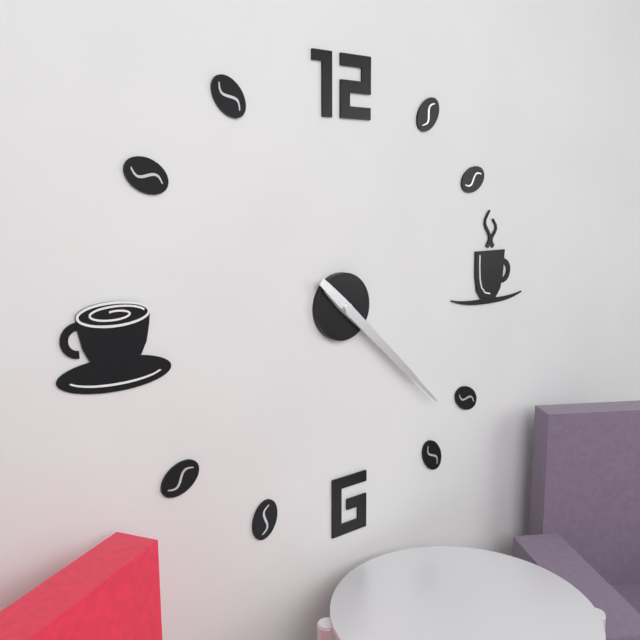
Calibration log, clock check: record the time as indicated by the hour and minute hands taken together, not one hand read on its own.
4:22
